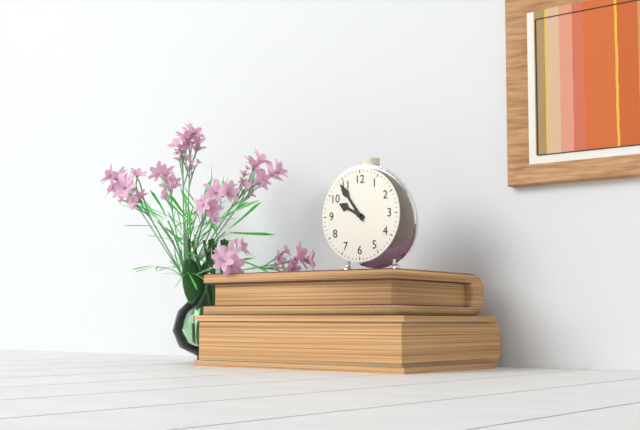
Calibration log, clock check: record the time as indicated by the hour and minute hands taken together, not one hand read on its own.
9:54
